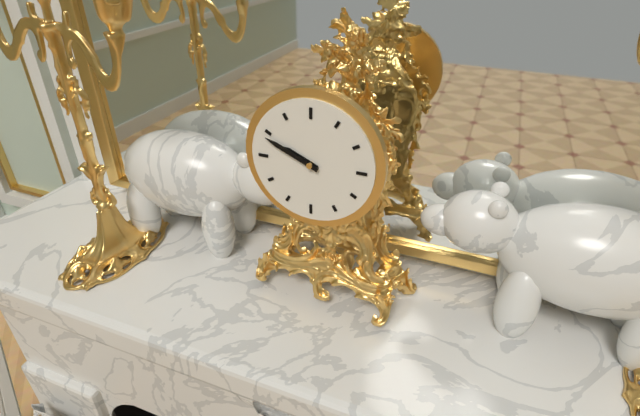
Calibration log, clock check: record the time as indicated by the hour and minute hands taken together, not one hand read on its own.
9:49
